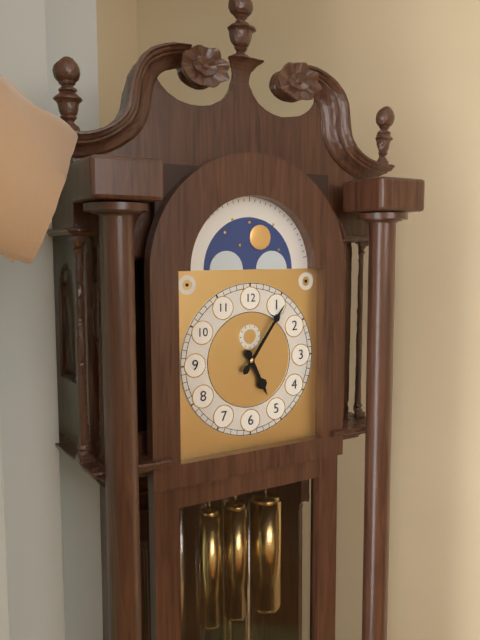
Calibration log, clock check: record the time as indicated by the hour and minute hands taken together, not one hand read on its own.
5:06
